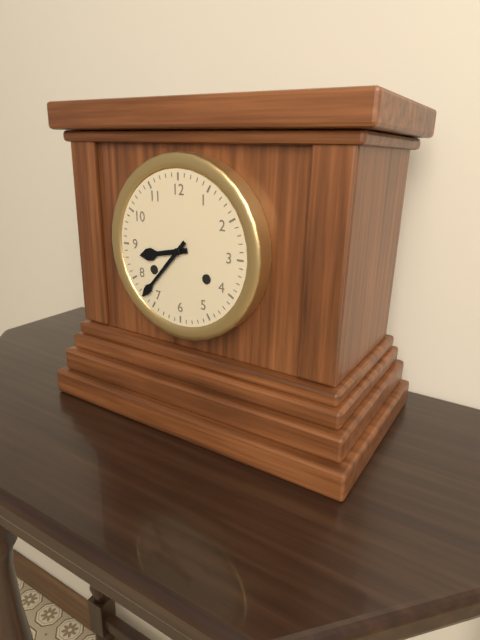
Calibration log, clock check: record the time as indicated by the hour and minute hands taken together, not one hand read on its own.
8:37
